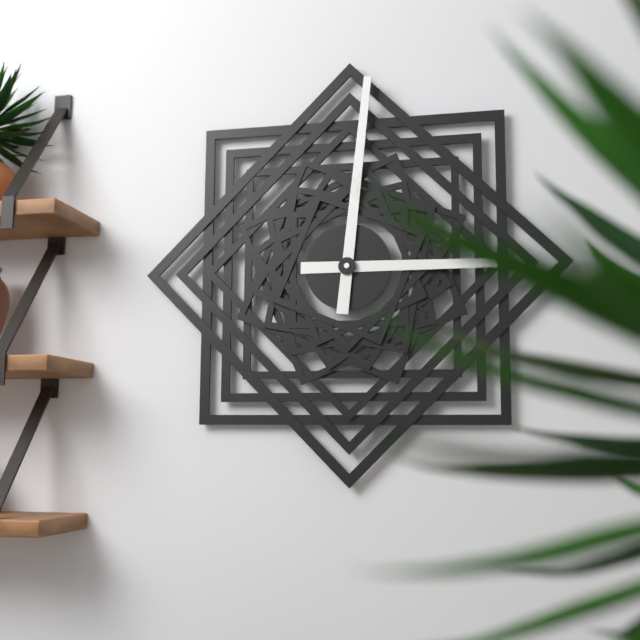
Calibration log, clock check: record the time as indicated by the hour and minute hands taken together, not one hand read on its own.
3:01
